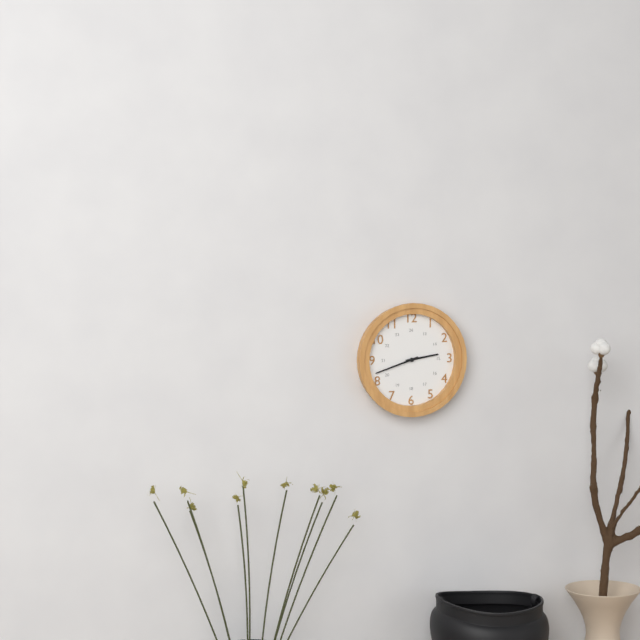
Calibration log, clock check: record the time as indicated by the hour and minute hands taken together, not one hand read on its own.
2:42
